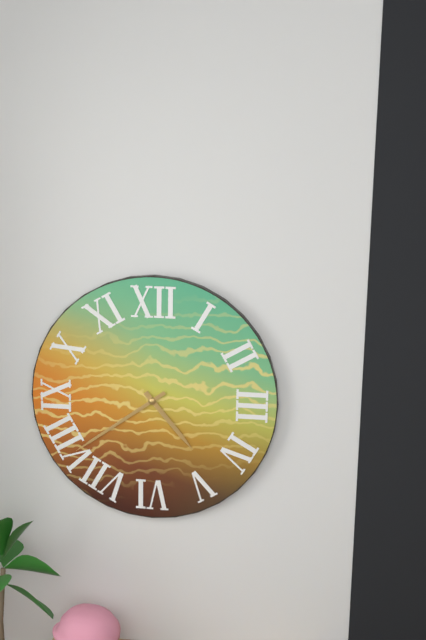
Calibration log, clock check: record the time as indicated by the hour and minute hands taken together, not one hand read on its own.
4:39
